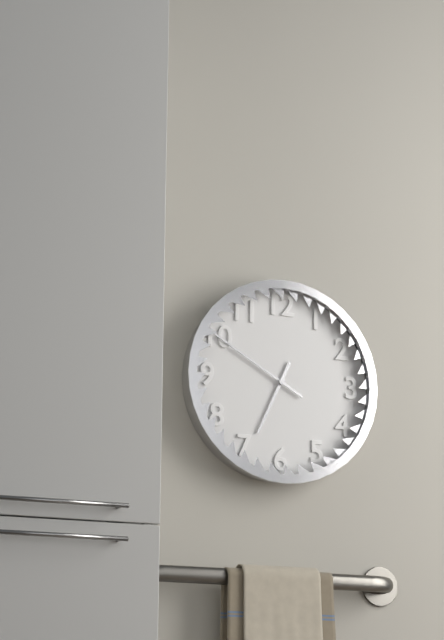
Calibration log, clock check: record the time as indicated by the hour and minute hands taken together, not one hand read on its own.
6:50
